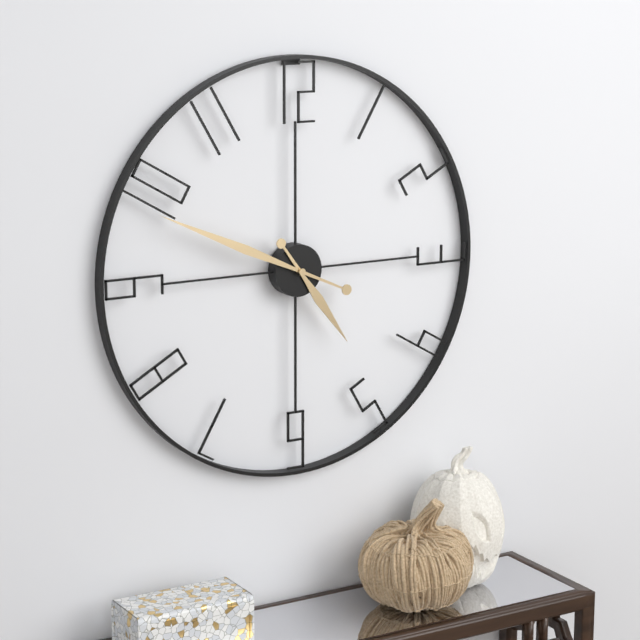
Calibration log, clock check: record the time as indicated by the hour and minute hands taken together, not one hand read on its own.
4:49
